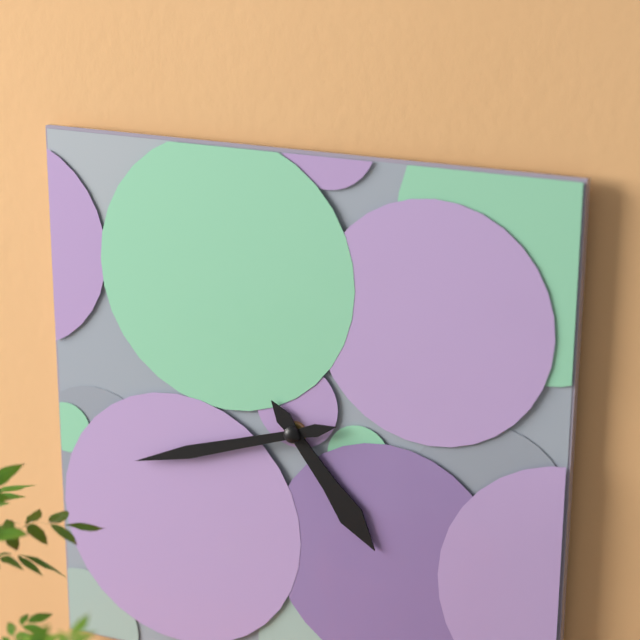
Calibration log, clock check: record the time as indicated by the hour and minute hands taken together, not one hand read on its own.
4:42
